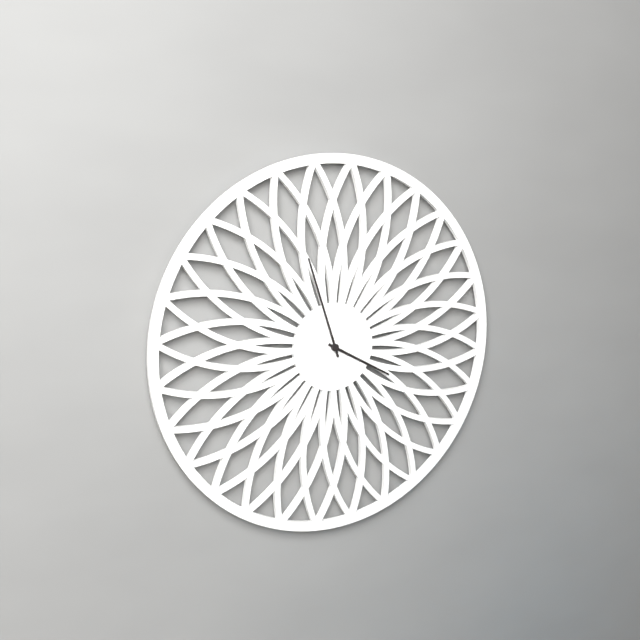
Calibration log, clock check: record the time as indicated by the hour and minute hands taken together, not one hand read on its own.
3:57
